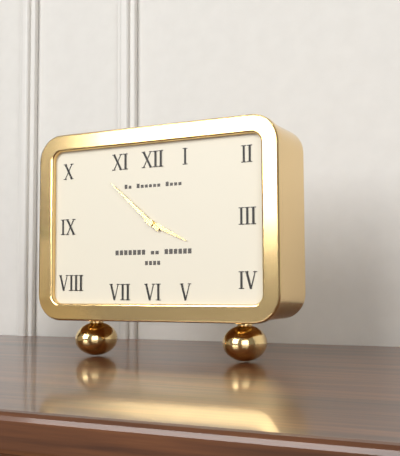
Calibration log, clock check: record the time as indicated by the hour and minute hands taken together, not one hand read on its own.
3:52
